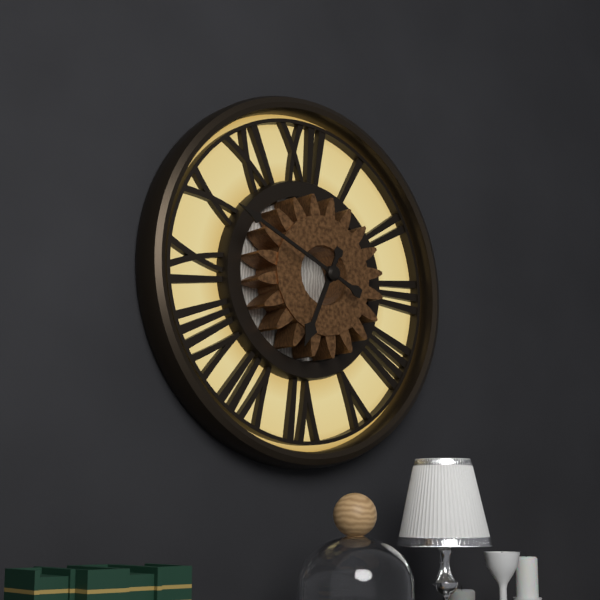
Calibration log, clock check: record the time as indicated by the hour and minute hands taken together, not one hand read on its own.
6:49
